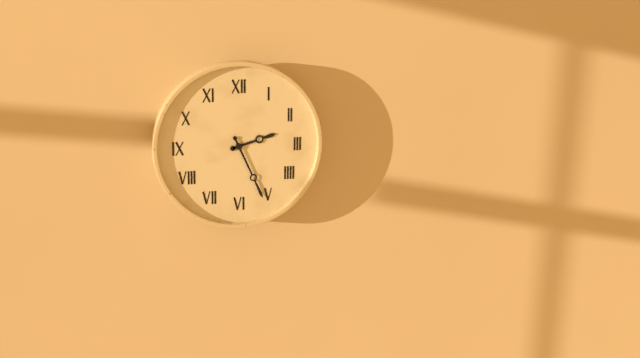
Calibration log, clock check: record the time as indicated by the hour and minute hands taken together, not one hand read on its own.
2:26
